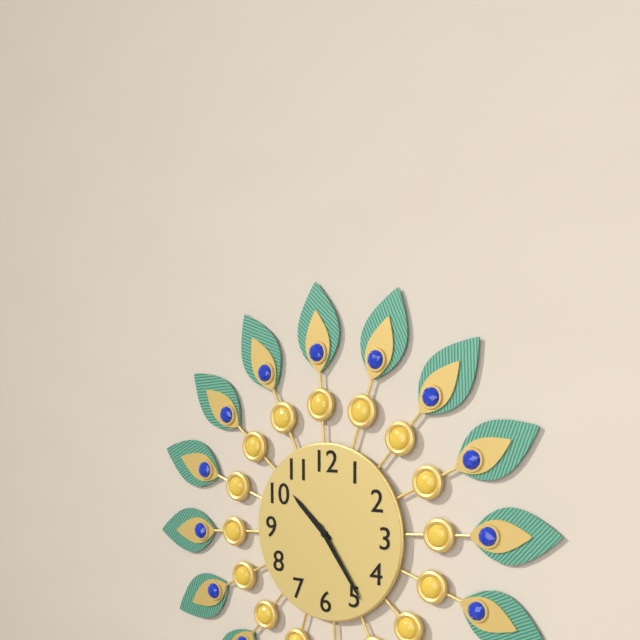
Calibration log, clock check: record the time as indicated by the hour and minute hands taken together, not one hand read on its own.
10:24
